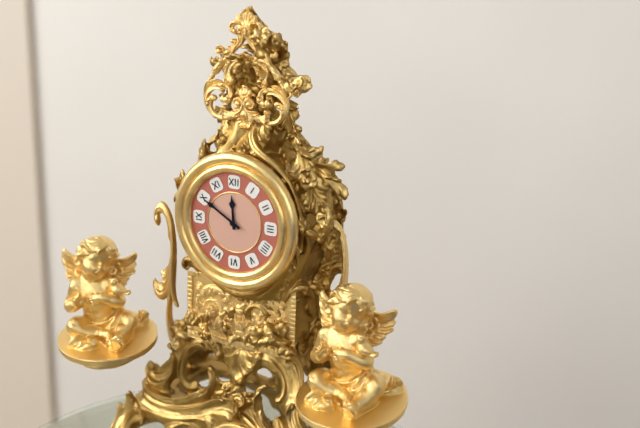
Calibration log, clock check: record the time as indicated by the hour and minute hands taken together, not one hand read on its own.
11:50
